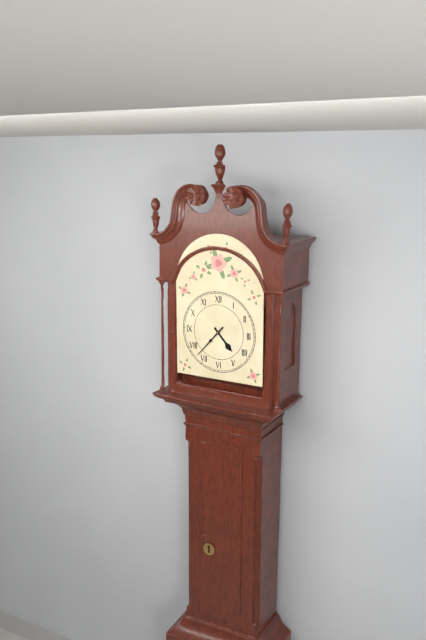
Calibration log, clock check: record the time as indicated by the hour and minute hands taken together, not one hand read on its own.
4:37
